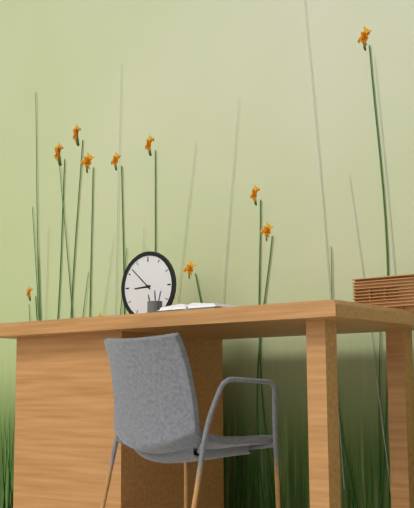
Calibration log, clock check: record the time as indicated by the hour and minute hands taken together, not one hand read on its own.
8:52
